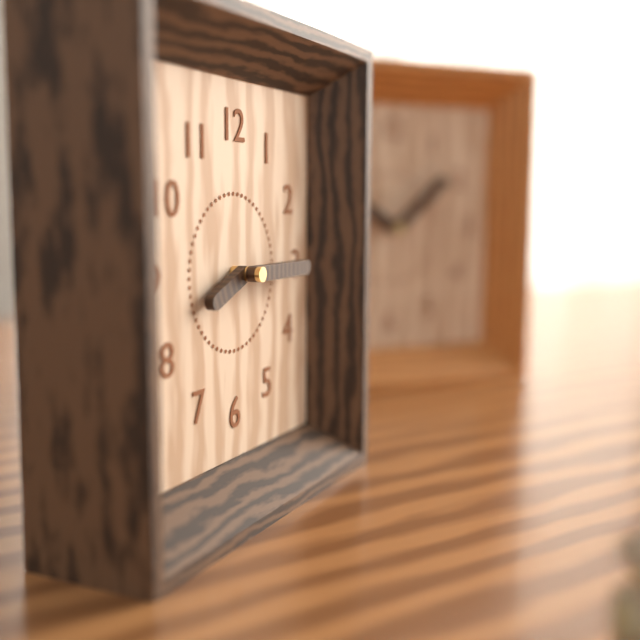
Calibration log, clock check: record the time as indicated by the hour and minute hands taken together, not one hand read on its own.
8:15
